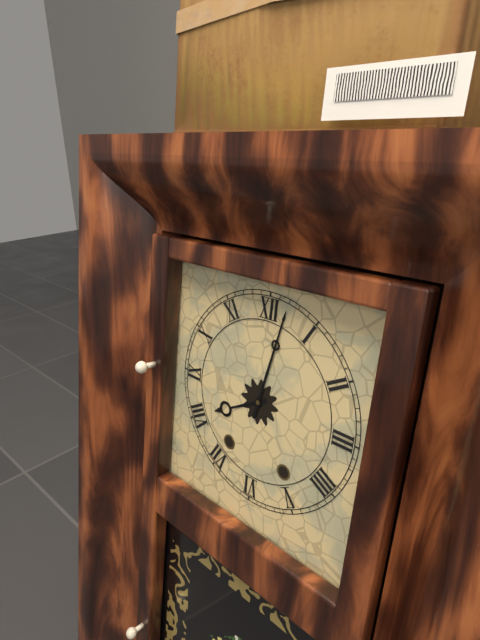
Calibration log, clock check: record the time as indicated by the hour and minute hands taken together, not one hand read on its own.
8:02
